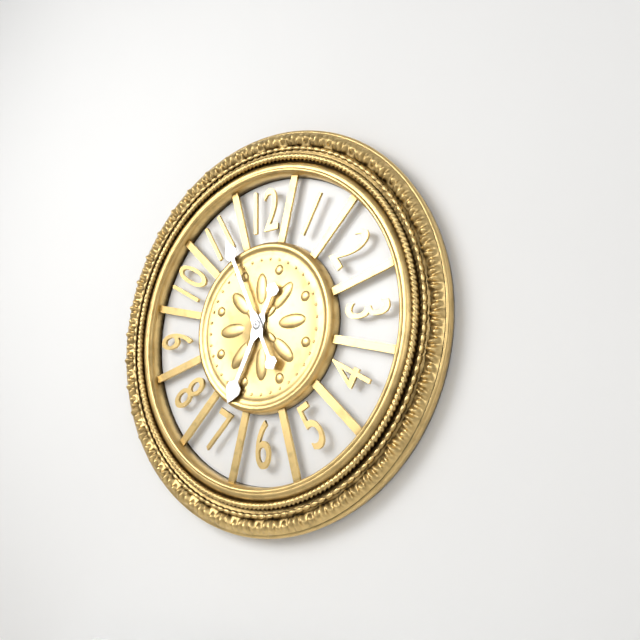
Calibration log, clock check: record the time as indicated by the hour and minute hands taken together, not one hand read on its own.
6:56
